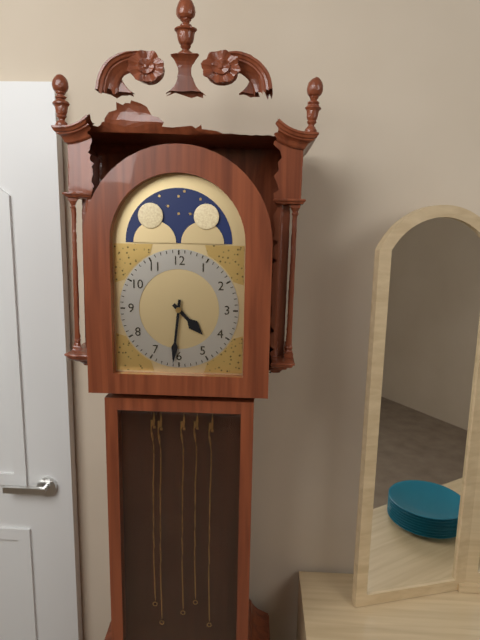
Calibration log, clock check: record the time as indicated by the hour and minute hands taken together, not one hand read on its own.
4:31
